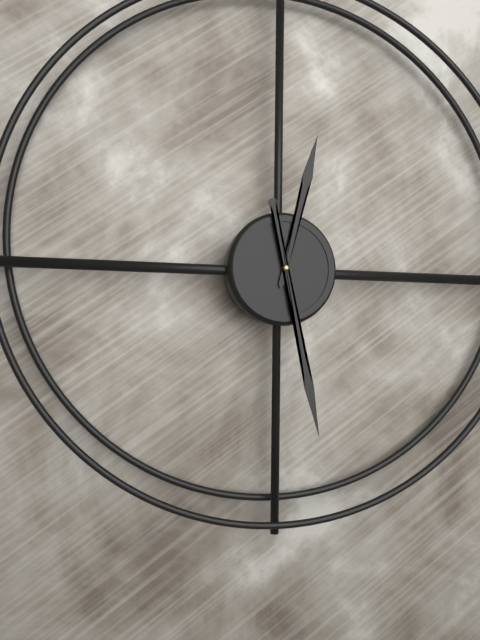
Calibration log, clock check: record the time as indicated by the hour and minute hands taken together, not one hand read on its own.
12:28
